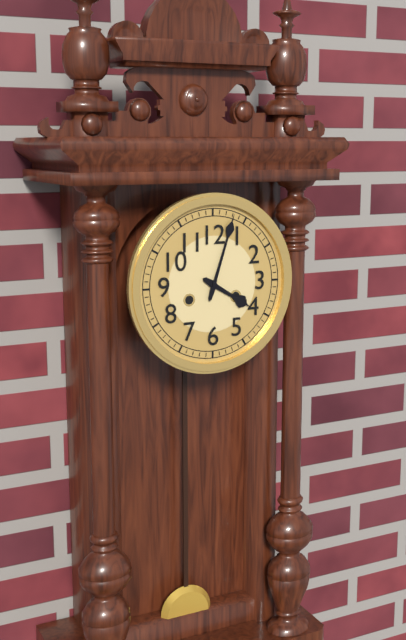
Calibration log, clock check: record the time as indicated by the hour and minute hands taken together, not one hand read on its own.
4:03
